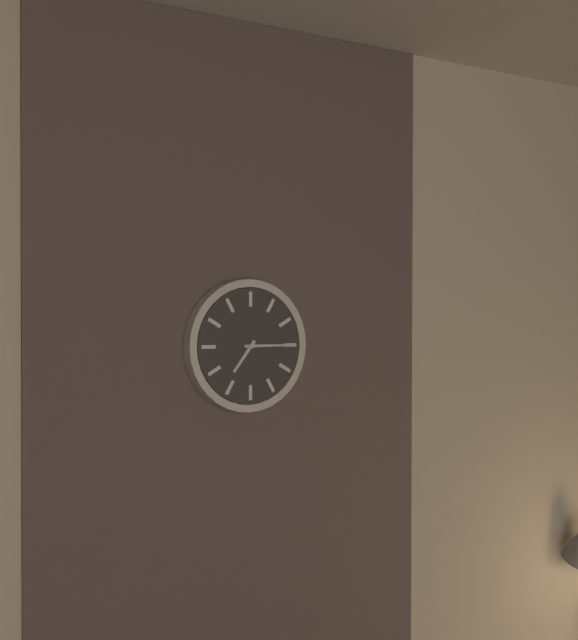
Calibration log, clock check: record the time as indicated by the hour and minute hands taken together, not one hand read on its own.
7:15
